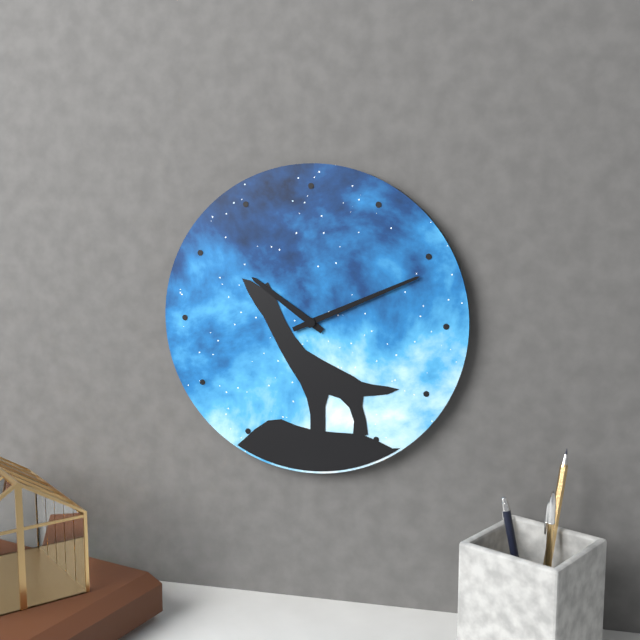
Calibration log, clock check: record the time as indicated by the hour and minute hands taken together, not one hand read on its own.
10:11
